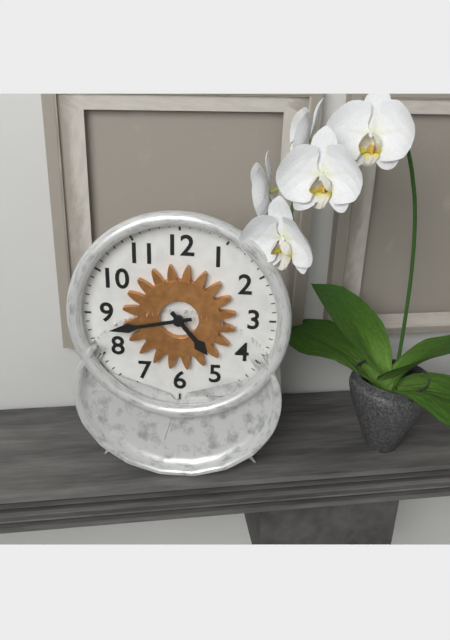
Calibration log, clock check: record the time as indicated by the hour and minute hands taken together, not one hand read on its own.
4:43
